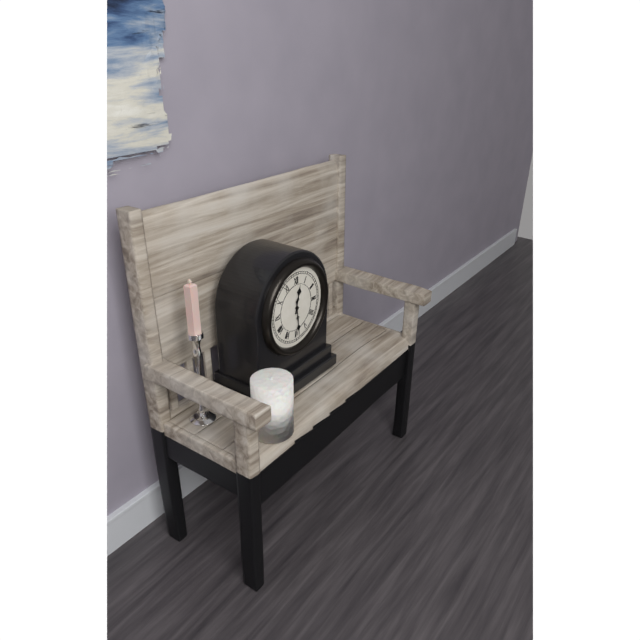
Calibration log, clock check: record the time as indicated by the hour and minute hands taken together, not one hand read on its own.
12:29
